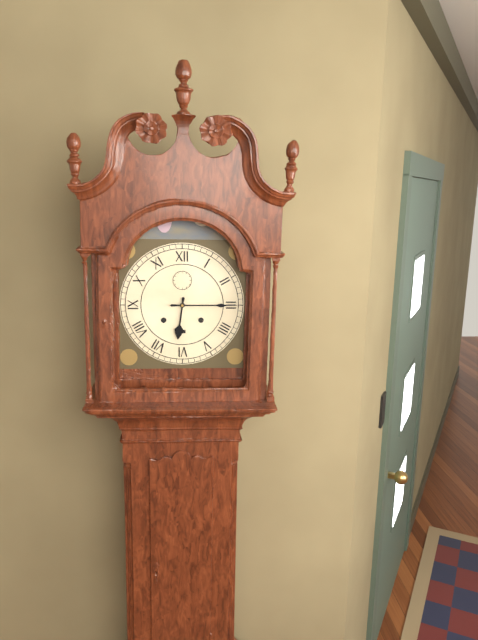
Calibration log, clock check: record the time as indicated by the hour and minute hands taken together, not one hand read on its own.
6:15
